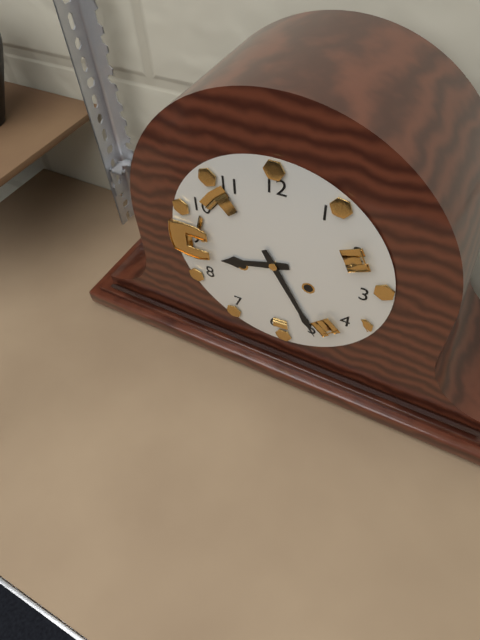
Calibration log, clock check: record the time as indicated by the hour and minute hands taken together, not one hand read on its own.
8:25
